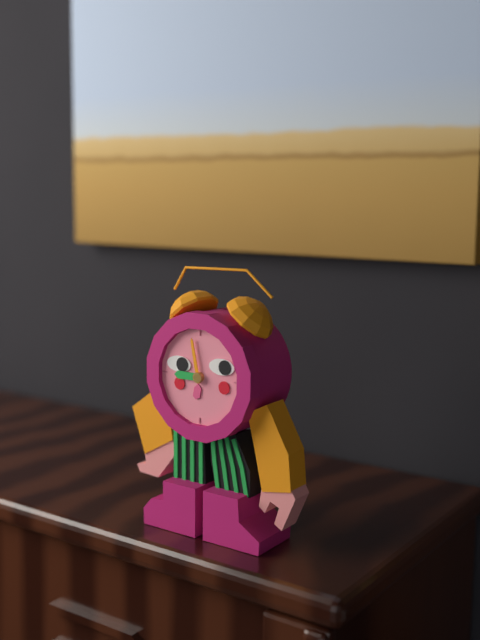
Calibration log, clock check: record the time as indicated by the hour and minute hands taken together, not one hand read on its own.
8:58
